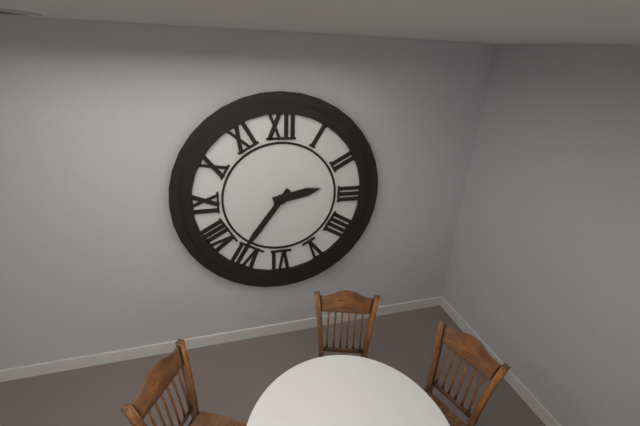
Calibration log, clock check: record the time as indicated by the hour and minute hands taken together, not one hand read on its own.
2:36
